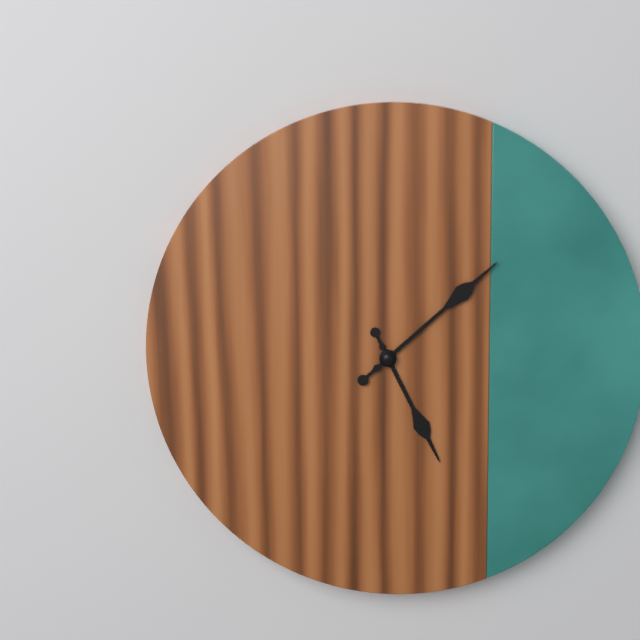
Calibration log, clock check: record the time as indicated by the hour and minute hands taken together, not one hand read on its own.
5:08
